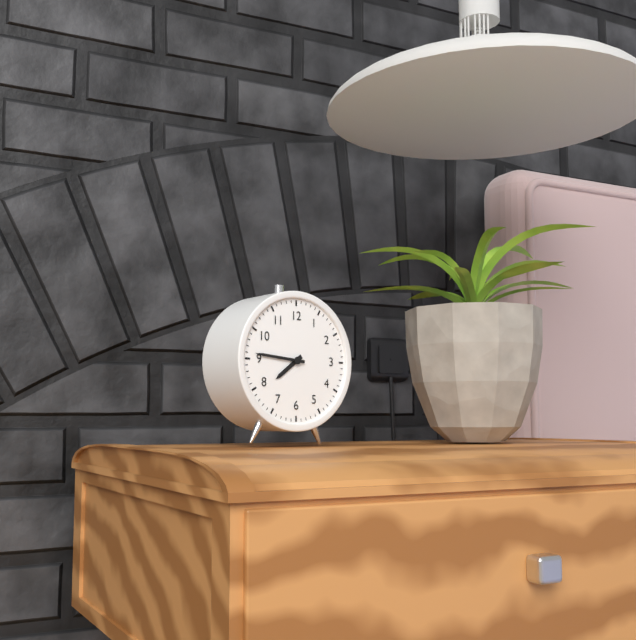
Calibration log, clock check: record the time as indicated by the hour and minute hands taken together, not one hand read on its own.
7:46
